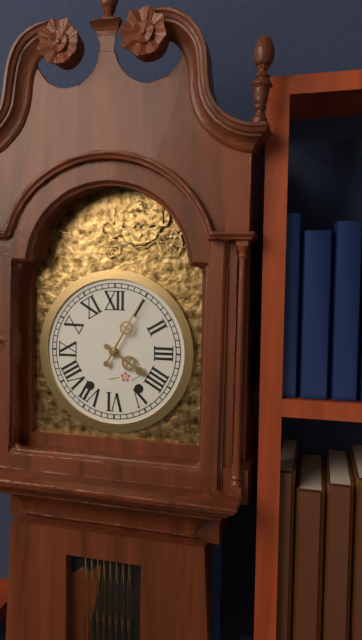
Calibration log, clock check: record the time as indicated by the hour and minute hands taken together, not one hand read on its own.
4:05
